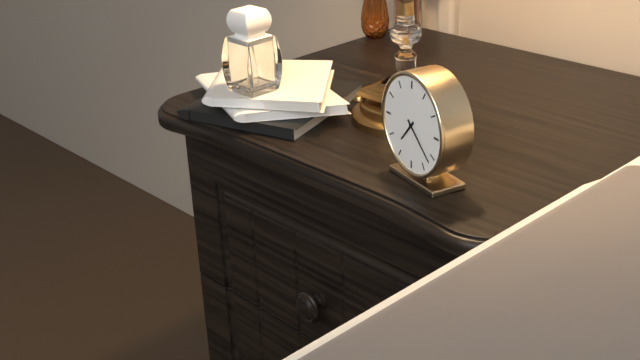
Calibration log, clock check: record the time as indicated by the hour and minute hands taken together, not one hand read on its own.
7:22
